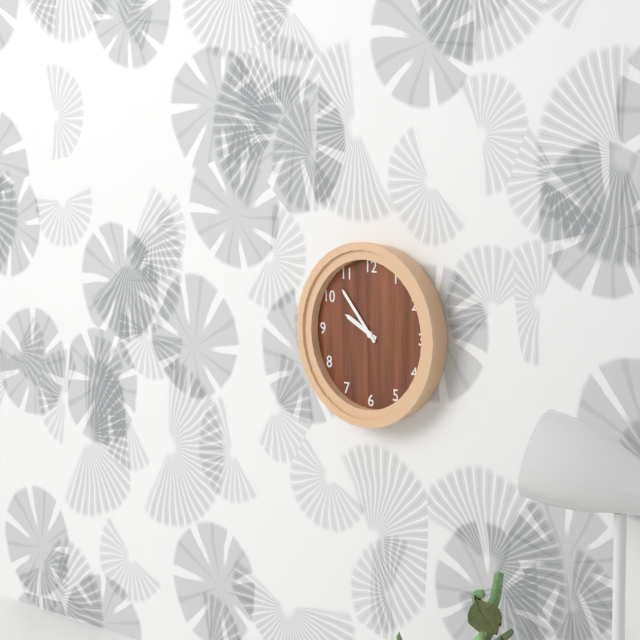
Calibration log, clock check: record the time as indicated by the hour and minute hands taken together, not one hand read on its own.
9:53
